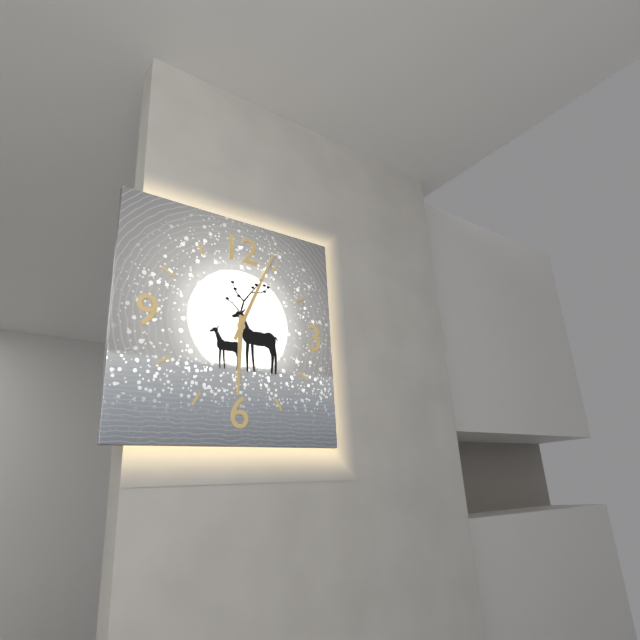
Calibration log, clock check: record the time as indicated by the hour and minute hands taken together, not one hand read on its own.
6:04
